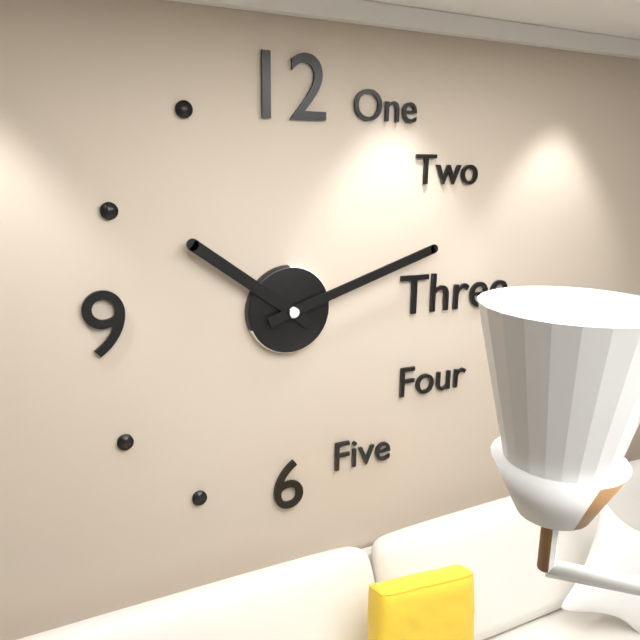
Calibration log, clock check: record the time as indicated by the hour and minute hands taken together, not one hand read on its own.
10:12
